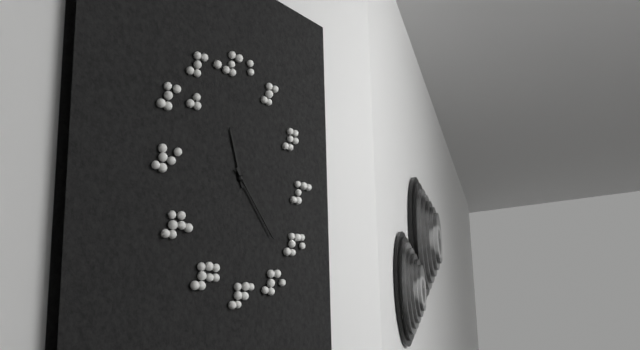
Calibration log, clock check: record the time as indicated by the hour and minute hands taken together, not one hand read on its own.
11:23
